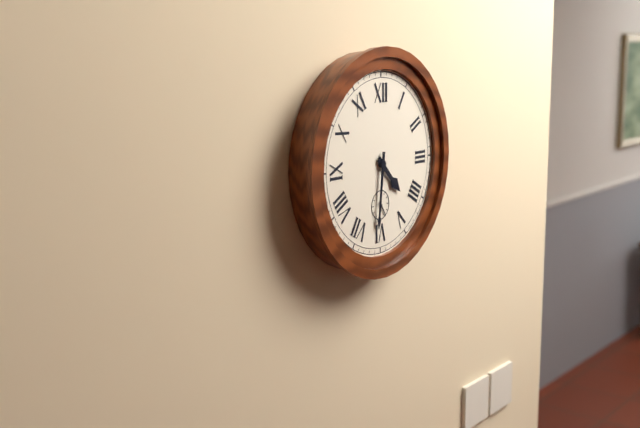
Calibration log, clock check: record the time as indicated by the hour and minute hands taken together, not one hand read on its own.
4:31
